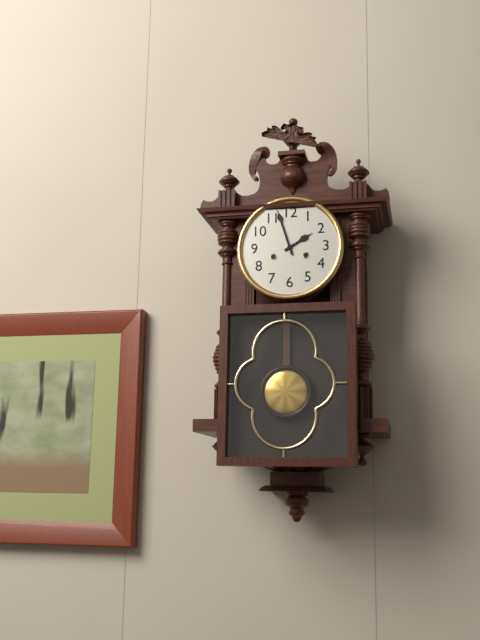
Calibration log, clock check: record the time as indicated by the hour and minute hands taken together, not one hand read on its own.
1:57
